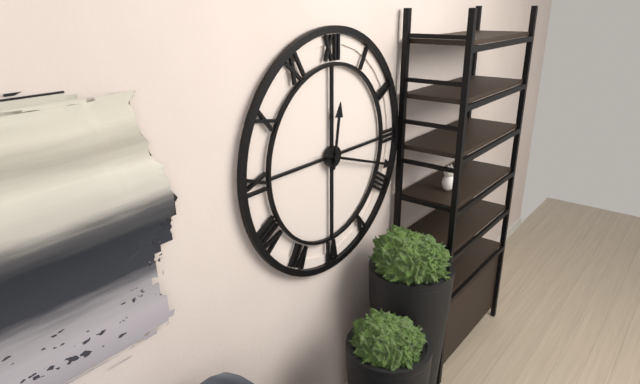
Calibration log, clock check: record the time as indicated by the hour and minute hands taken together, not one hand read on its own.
12:18
